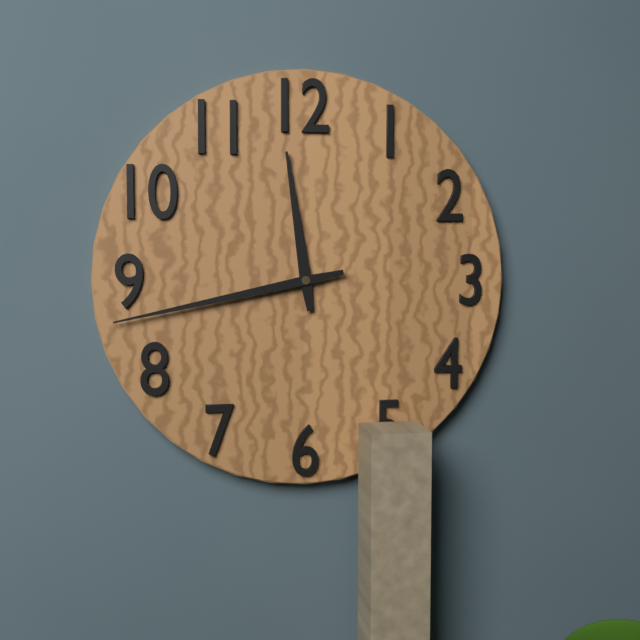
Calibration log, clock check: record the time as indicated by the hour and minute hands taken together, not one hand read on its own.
11:43
